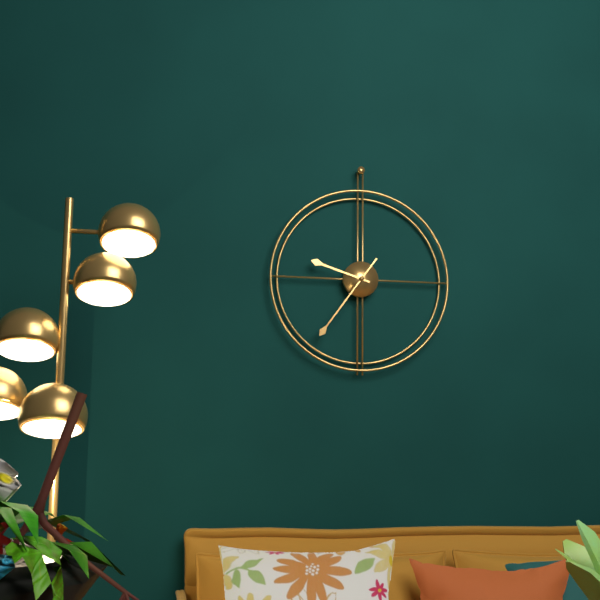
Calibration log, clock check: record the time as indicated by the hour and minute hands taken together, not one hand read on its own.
9:36
